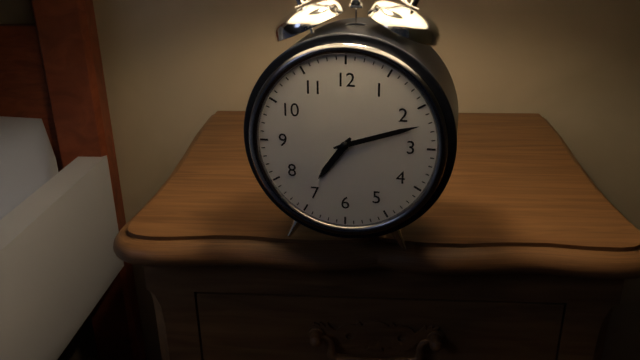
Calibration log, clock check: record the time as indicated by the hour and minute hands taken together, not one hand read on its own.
7:12
